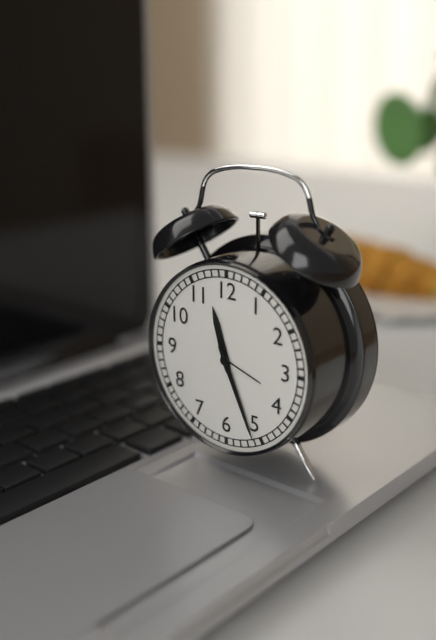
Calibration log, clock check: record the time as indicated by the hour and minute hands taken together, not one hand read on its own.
11:26
